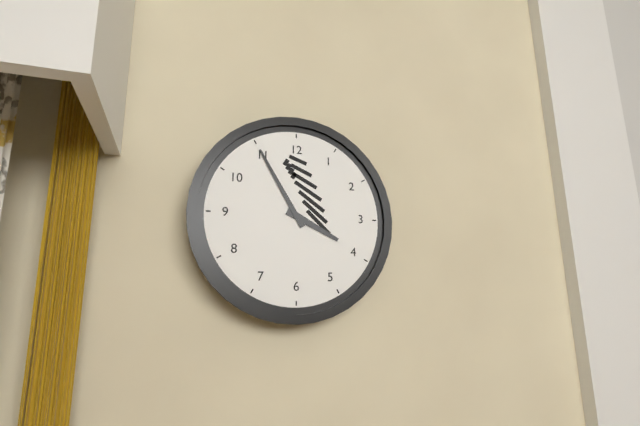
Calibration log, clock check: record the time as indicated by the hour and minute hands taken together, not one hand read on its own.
3:55
